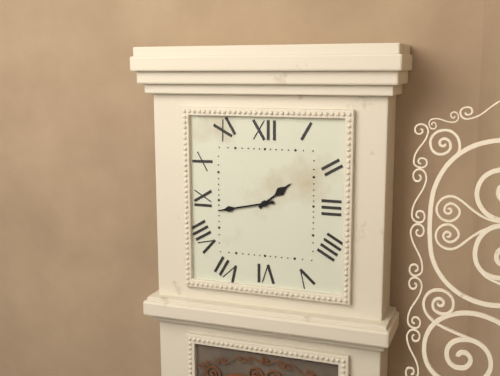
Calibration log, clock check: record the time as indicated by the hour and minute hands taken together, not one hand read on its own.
1:43
